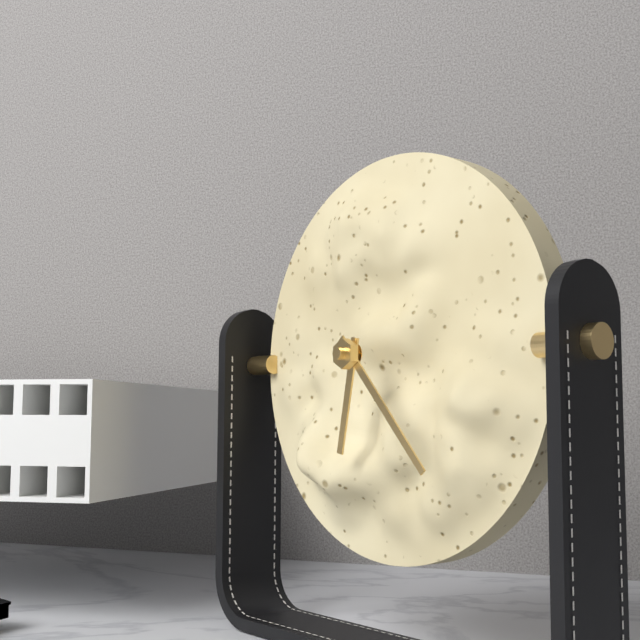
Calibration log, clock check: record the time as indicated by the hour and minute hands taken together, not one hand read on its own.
6:23
